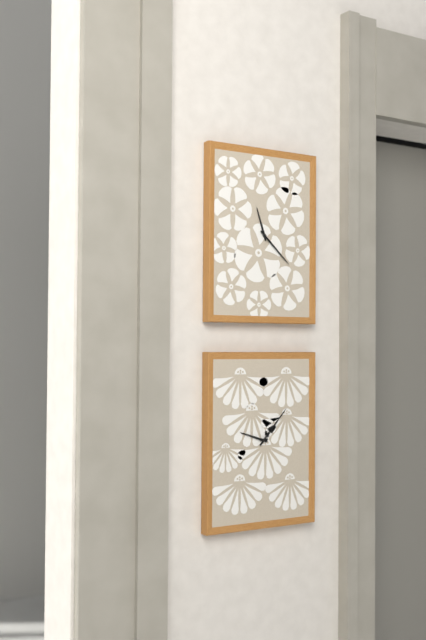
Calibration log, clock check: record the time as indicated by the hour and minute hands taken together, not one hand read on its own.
11:22
